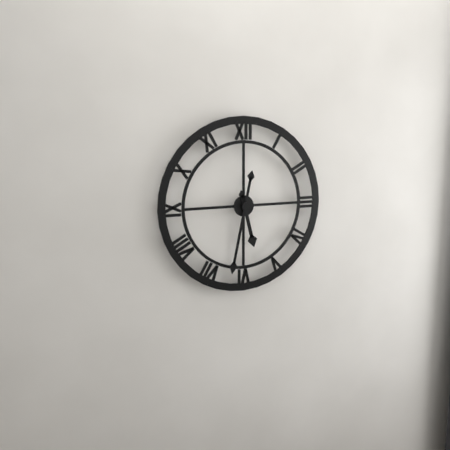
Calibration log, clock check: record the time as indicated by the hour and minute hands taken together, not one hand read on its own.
5:32
